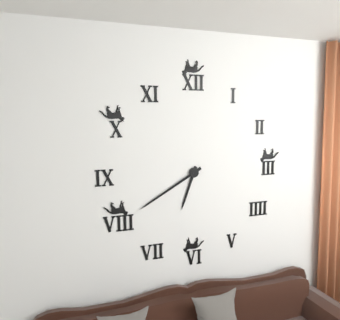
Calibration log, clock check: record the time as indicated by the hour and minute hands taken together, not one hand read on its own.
6:40
